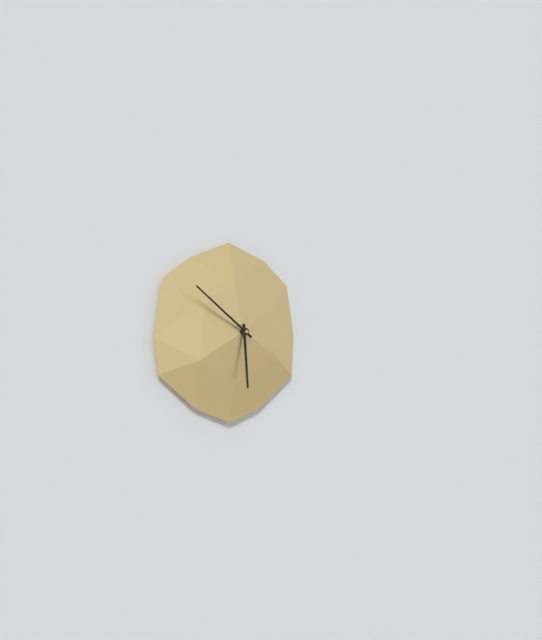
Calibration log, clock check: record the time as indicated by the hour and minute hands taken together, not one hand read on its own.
5:51
